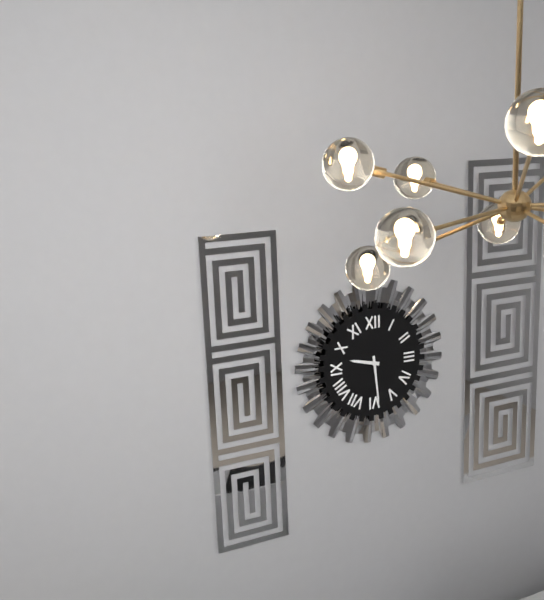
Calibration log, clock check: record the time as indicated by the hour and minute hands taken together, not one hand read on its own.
9:29
